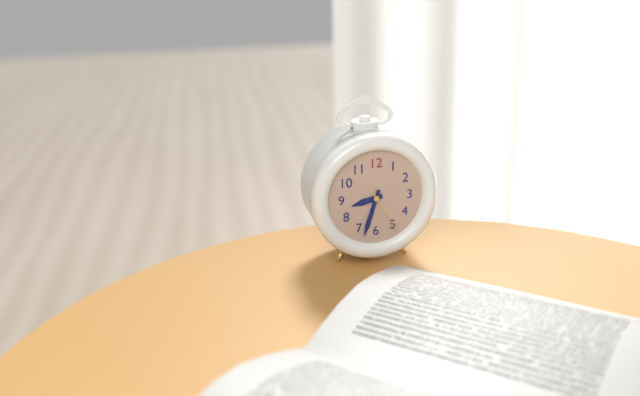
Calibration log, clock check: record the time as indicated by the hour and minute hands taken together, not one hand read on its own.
8:33
